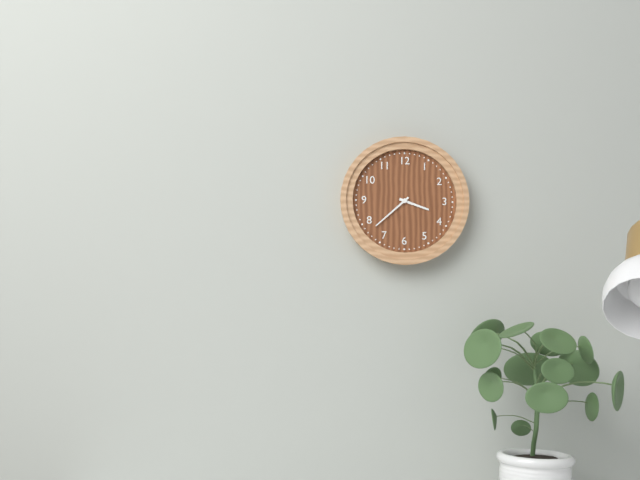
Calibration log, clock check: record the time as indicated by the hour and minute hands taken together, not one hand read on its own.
3:38
